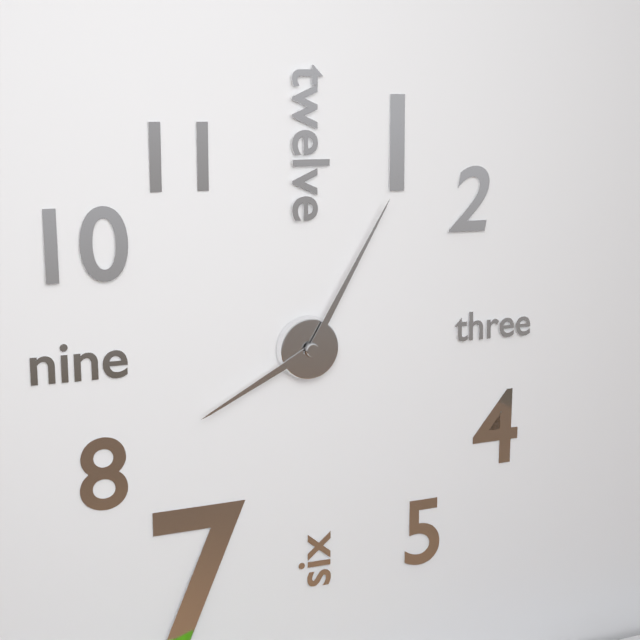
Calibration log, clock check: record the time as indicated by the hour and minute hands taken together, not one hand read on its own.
8:05
